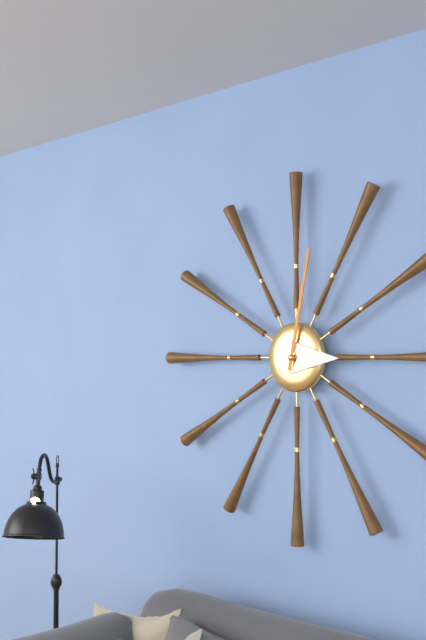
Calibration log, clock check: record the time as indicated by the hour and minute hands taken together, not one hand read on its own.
3:02
